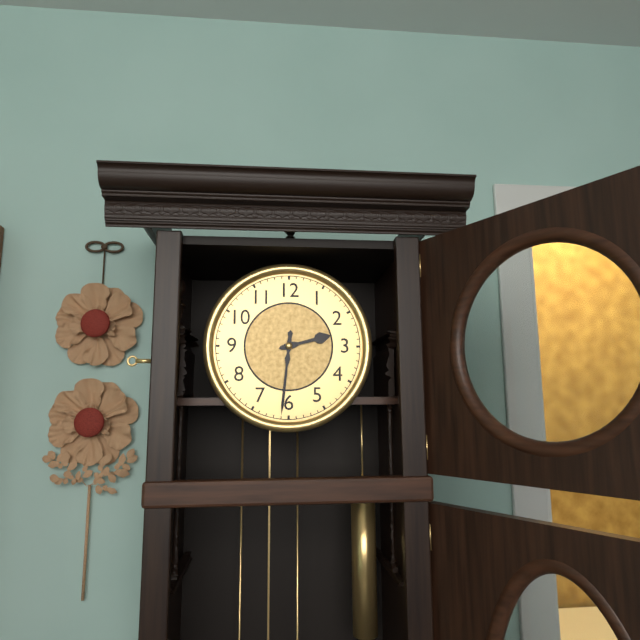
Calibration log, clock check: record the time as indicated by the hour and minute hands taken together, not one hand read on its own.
2:31
